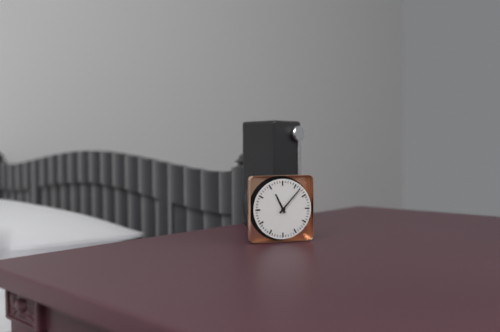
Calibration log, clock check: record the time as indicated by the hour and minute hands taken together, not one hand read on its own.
11:07
